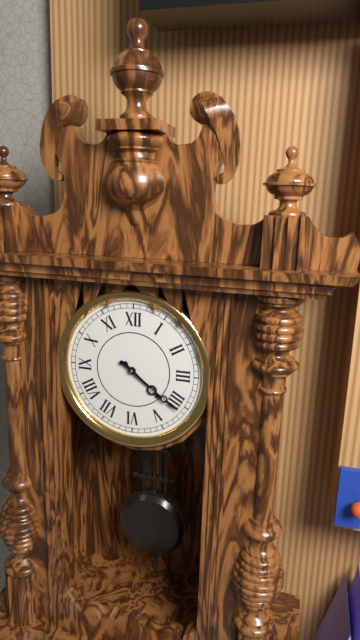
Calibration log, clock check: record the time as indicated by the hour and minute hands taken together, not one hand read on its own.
4:21
